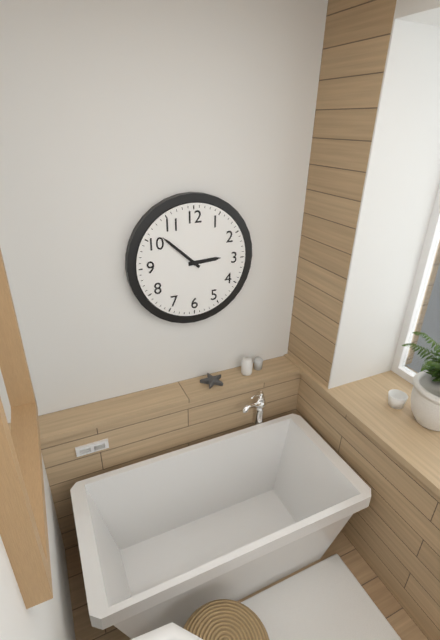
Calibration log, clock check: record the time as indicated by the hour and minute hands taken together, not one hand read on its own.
2:52
